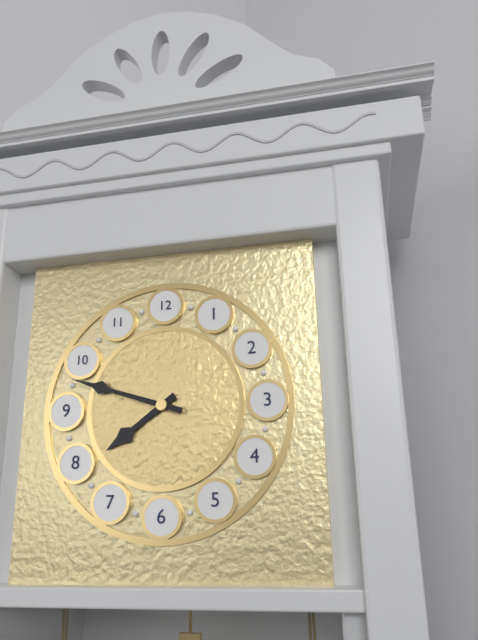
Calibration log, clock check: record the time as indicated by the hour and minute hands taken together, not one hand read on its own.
7:48
